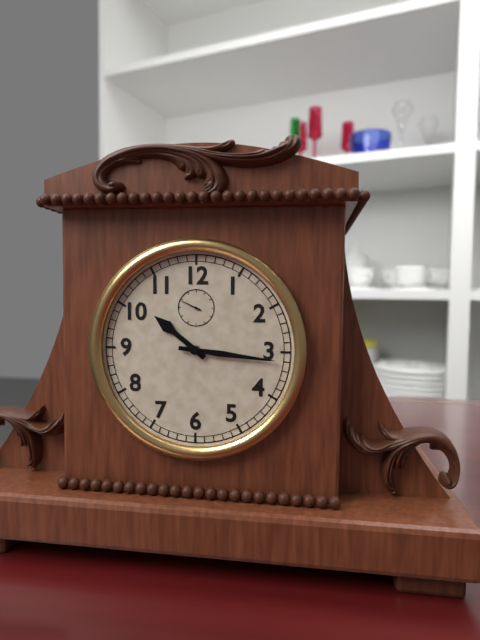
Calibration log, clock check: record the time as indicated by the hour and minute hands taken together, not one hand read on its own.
10:16
